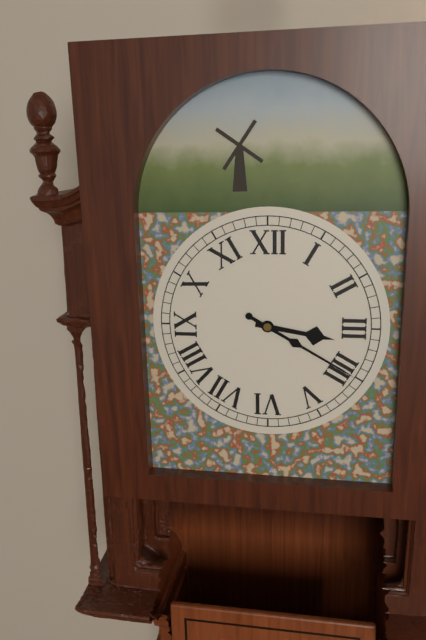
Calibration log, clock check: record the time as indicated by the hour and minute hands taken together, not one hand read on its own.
3:20
